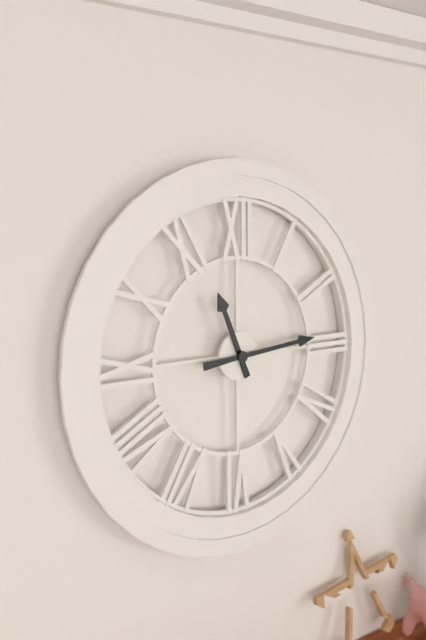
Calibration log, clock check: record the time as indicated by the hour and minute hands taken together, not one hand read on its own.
11:14
